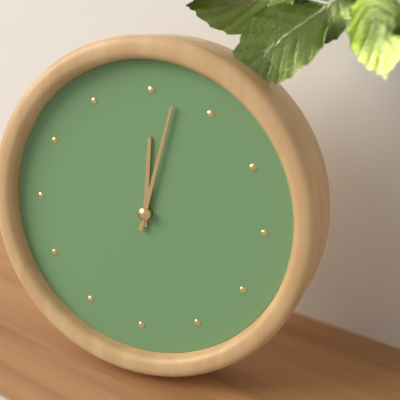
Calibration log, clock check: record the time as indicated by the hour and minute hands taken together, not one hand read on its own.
12:02
